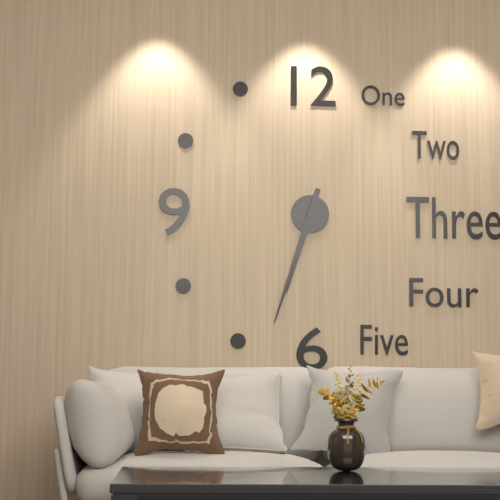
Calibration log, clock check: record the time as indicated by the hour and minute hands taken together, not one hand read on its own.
6:33
